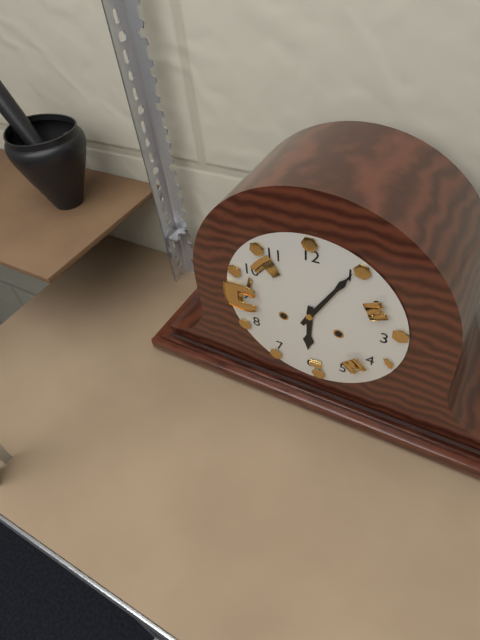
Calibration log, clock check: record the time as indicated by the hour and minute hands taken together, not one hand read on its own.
6:05
